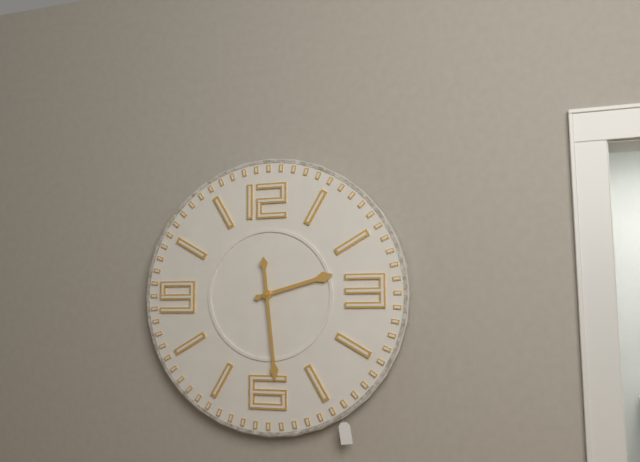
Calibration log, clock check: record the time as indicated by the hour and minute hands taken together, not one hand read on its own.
2:29
